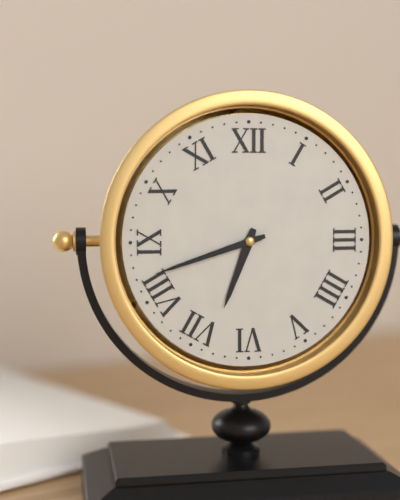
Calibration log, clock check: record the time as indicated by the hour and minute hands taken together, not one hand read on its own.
6:42
